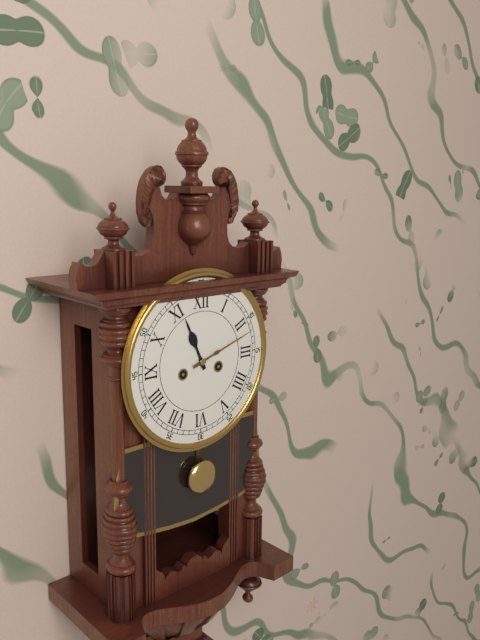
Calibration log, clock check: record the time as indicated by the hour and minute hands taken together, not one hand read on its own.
11:12
